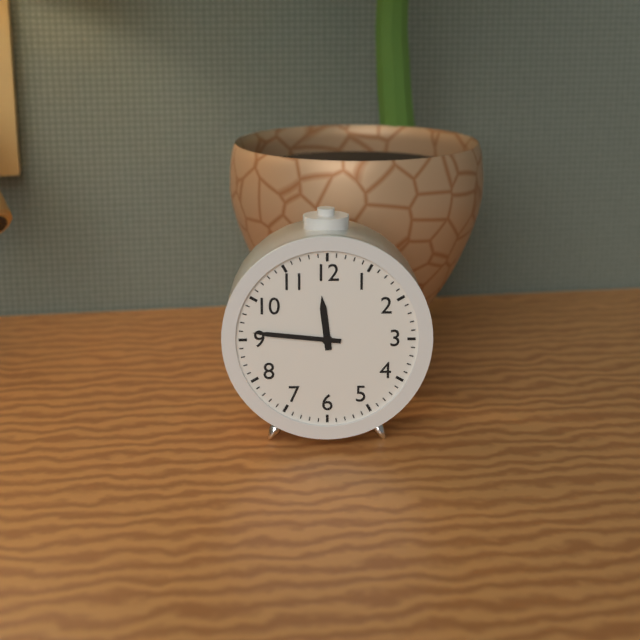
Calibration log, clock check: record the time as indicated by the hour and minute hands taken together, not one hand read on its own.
11:46
